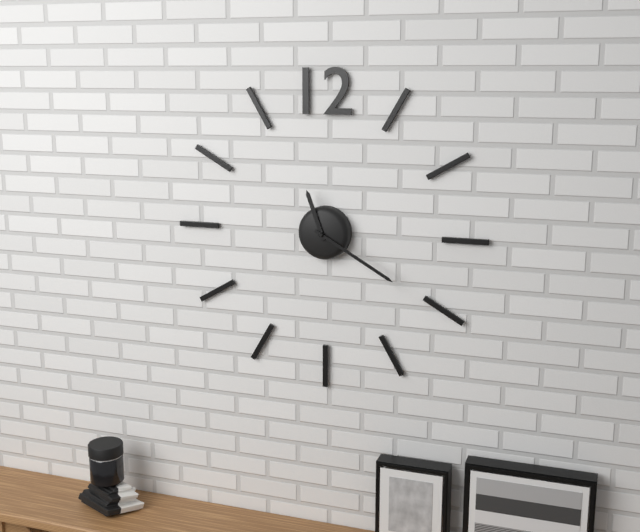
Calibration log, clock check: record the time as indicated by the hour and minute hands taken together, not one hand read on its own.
11:20
